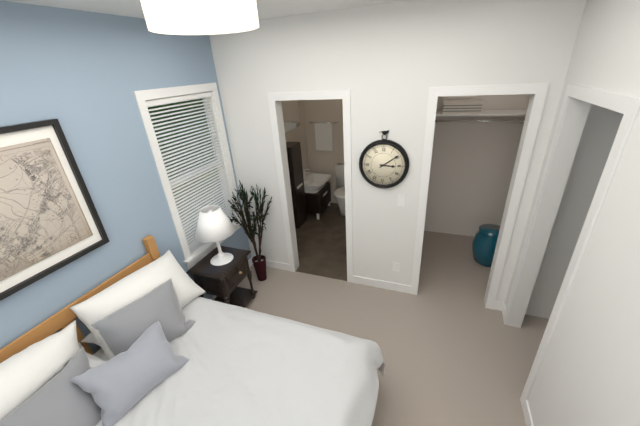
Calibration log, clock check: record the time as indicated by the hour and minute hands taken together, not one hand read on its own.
3:09
